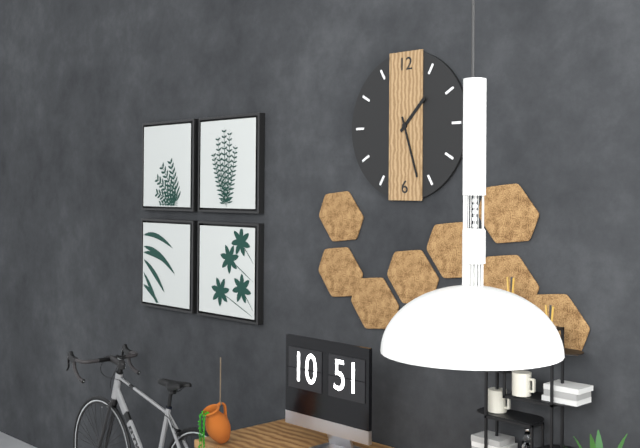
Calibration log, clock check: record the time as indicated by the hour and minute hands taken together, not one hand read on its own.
1:27
